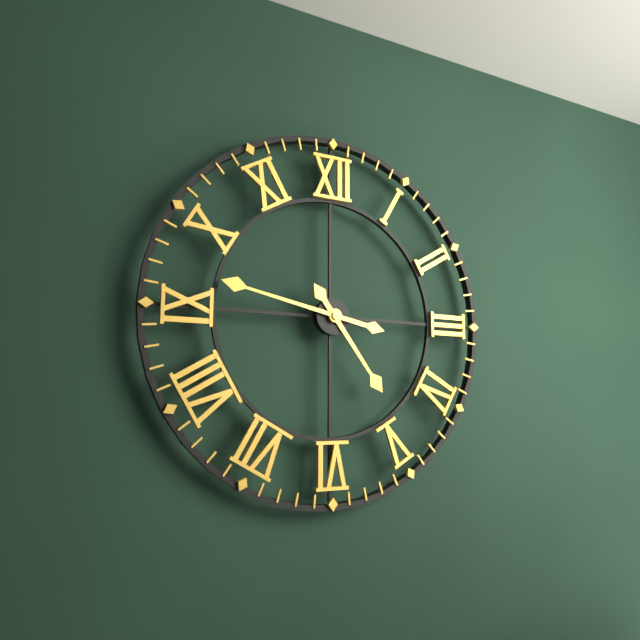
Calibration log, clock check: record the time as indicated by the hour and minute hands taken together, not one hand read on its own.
4:47
